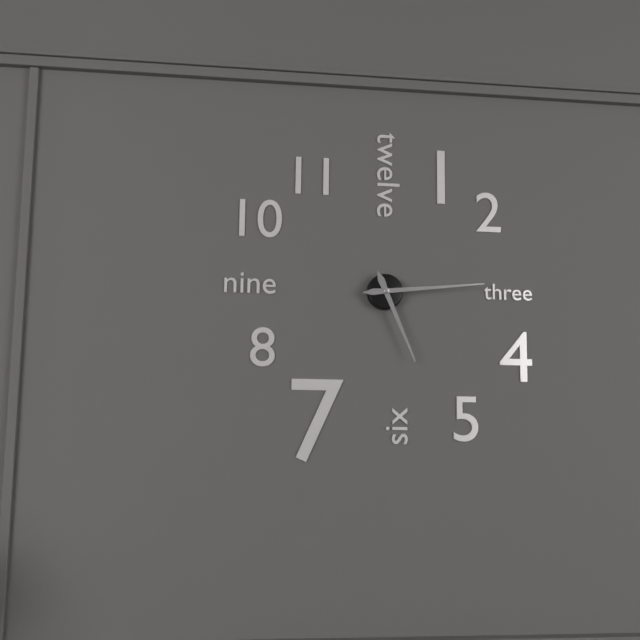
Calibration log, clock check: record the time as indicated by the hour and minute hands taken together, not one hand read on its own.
5:14
